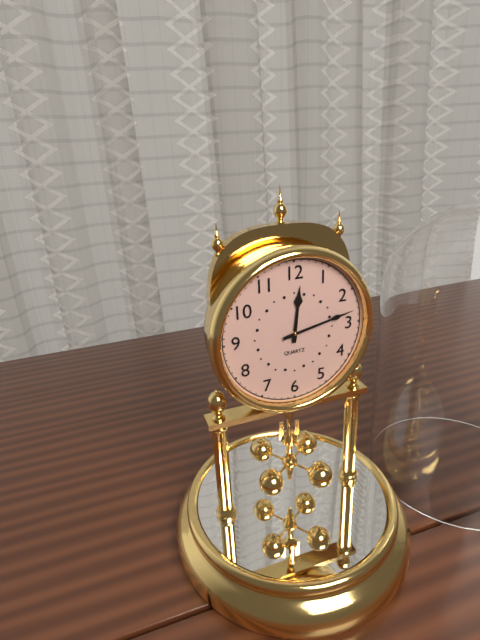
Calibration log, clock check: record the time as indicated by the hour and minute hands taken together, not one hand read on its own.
12:13
